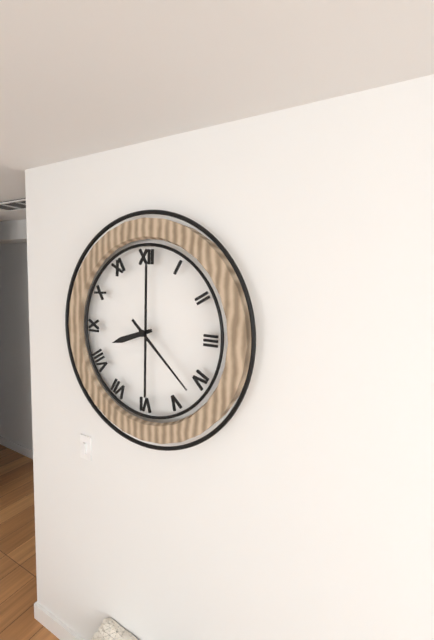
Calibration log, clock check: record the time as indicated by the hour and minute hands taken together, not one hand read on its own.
8:22
